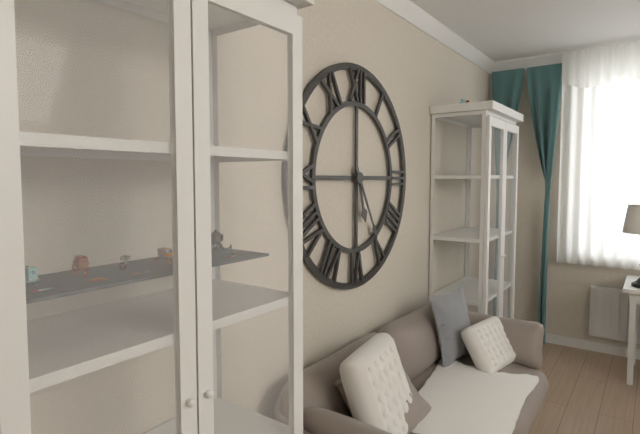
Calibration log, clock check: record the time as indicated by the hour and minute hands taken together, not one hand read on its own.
5:25
